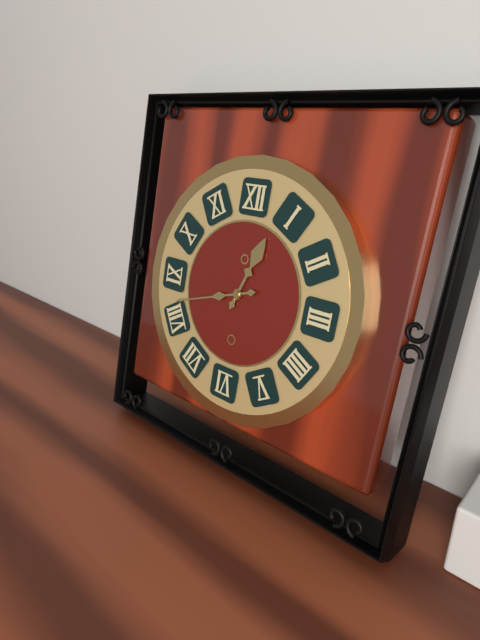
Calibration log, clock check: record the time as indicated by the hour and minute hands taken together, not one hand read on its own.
12:42
